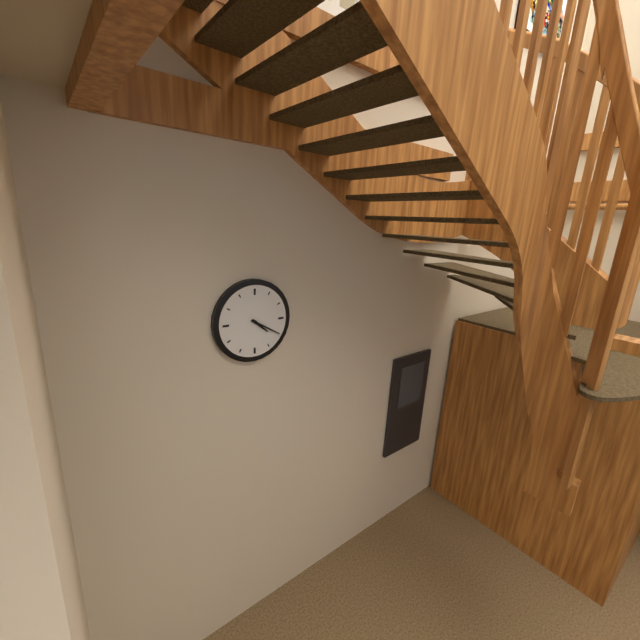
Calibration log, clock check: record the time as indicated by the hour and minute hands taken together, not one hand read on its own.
4:20
